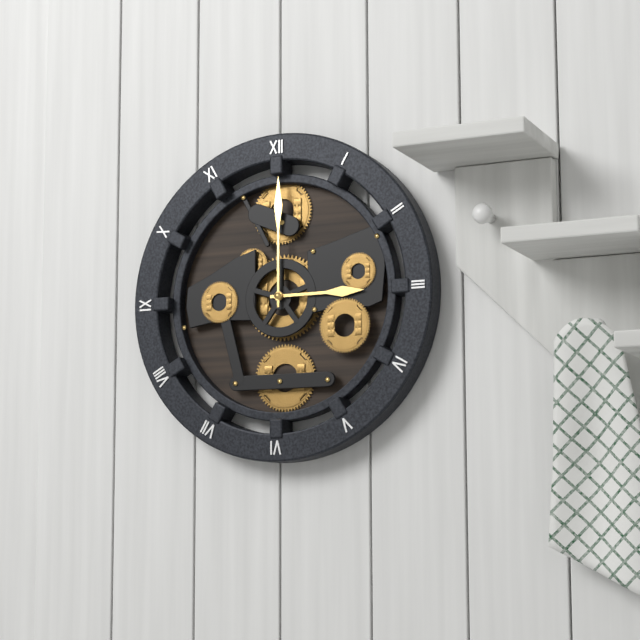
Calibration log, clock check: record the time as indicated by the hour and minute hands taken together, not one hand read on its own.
3:00
